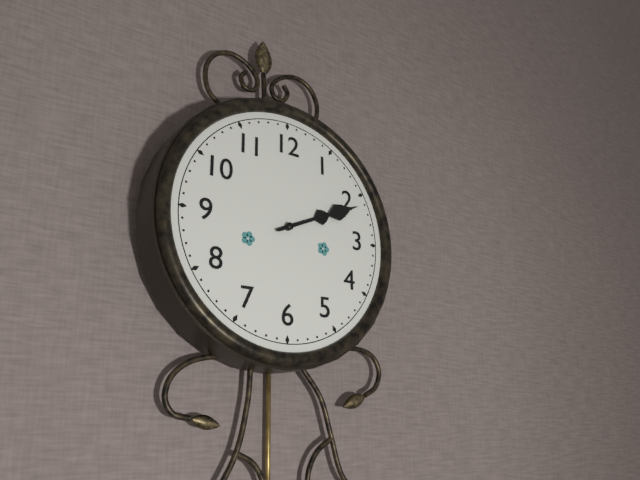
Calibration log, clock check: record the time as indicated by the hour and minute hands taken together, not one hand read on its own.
2:11
